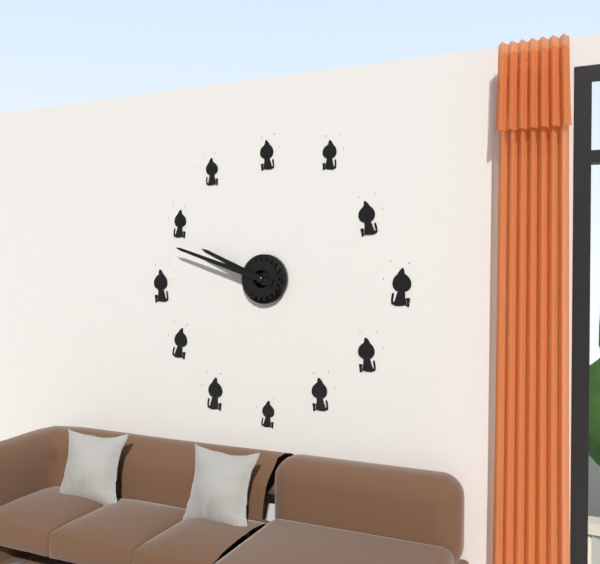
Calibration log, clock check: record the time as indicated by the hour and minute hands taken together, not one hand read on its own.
9:48
